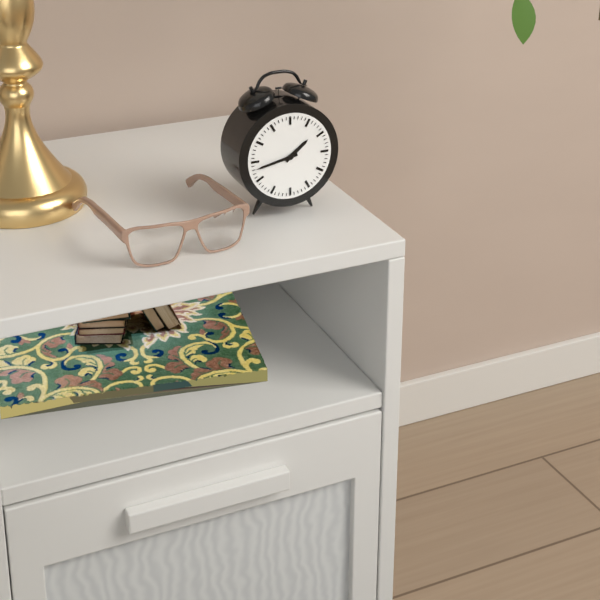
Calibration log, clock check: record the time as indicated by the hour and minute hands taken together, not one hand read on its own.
1:43
